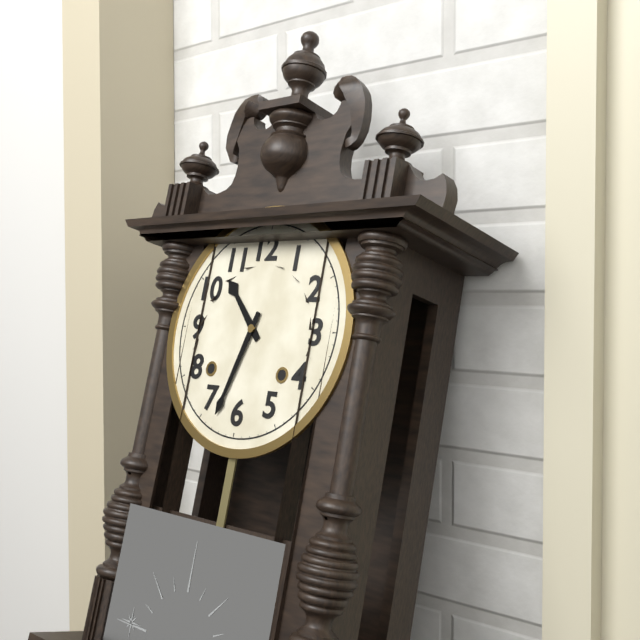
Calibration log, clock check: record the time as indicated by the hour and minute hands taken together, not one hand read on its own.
10:33
